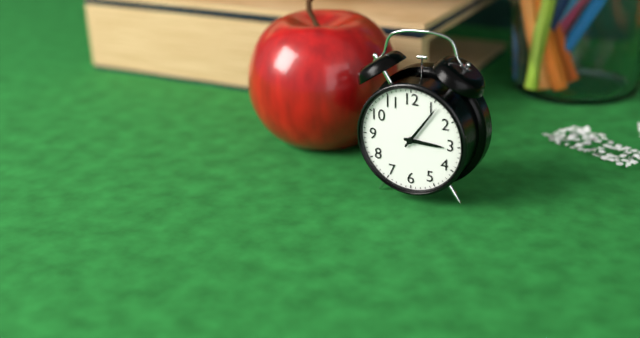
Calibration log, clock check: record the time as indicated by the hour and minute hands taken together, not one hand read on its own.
3:06
